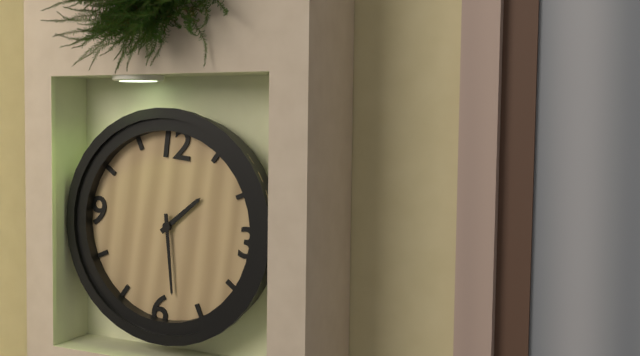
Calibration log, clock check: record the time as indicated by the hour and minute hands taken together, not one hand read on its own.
1:28
